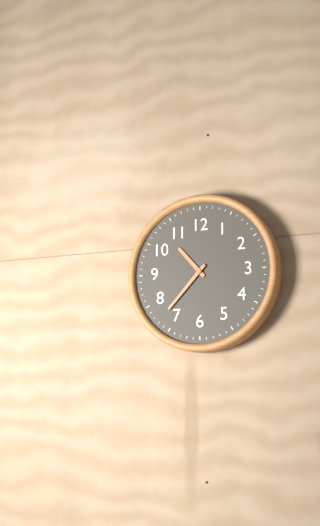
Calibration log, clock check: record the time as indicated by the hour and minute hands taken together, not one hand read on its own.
10:37
